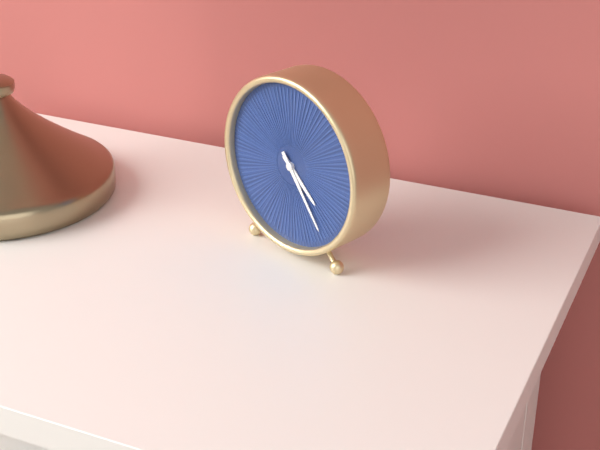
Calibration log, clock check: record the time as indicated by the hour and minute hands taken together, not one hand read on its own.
4:24
